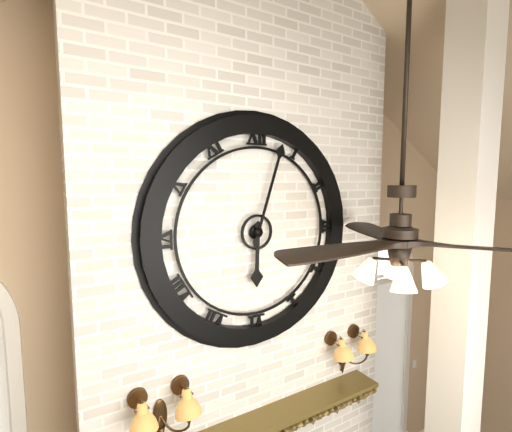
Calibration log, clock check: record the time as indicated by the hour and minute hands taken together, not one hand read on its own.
6:03
